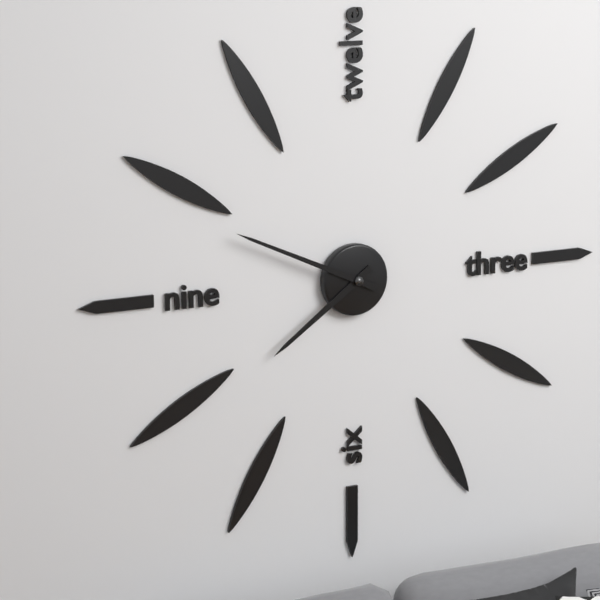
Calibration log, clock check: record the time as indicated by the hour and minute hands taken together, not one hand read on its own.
7:49
